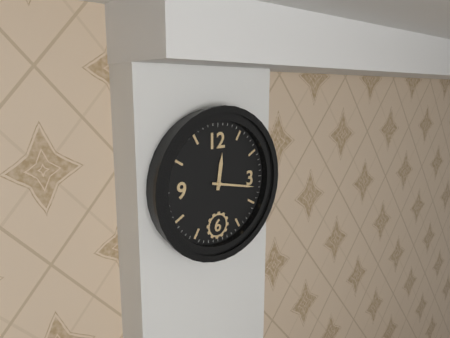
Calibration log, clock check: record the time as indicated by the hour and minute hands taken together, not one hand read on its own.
12:17
